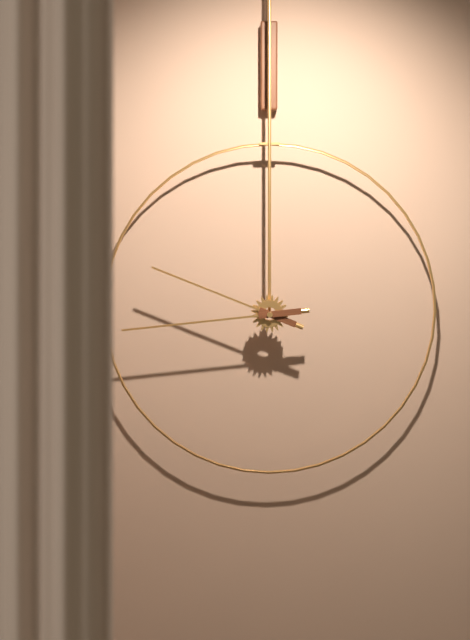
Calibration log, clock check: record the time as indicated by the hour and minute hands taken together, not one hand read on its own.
9:44
